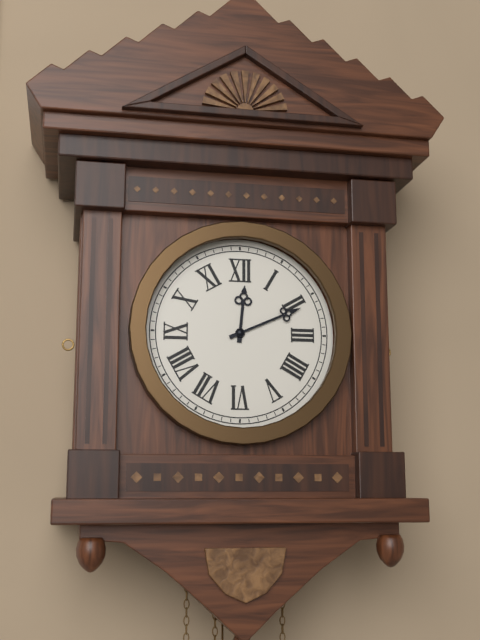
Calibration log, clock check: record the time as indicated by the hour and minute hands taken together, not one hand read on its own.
12:11
